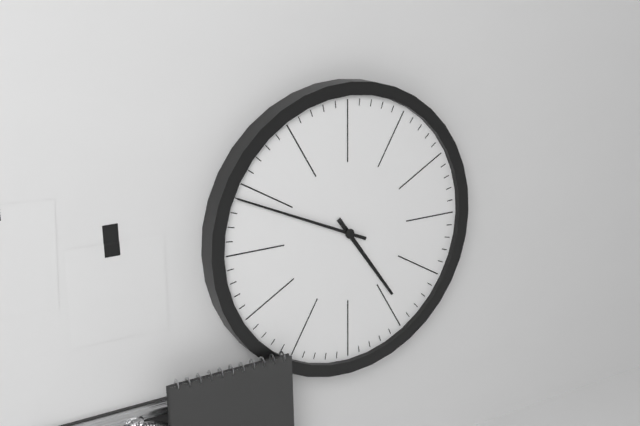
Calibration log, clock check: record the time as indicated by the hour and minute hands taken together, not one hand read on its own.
4:49
